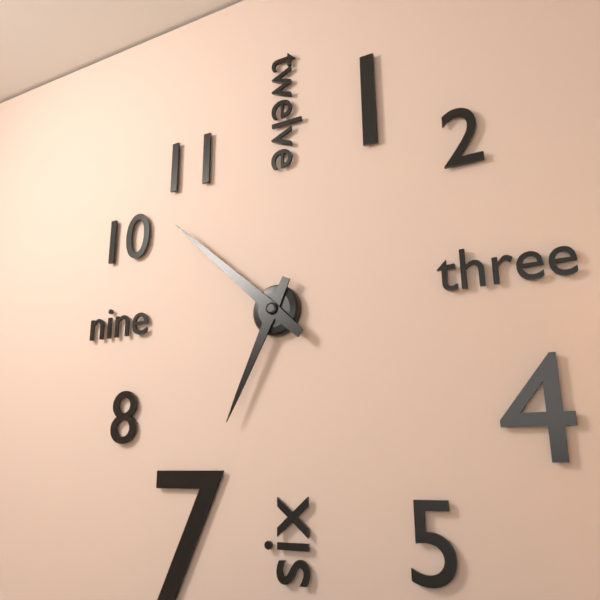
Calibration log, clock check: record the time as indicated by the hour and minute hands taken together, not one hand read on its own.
6:52
